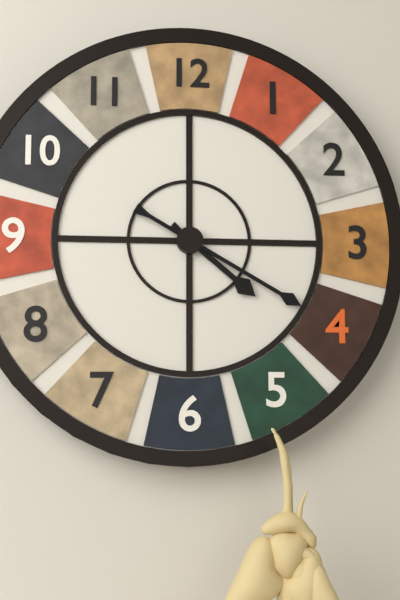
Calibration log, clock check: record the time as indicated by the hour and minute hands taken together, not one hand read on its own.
4:20
